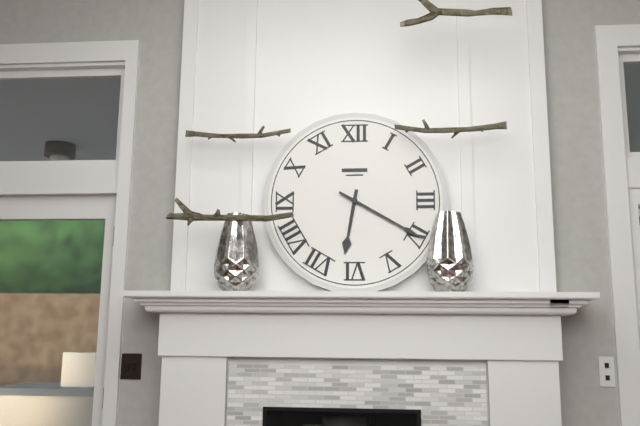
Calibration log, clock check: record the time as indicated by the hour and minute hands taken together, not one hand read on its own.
6:20
